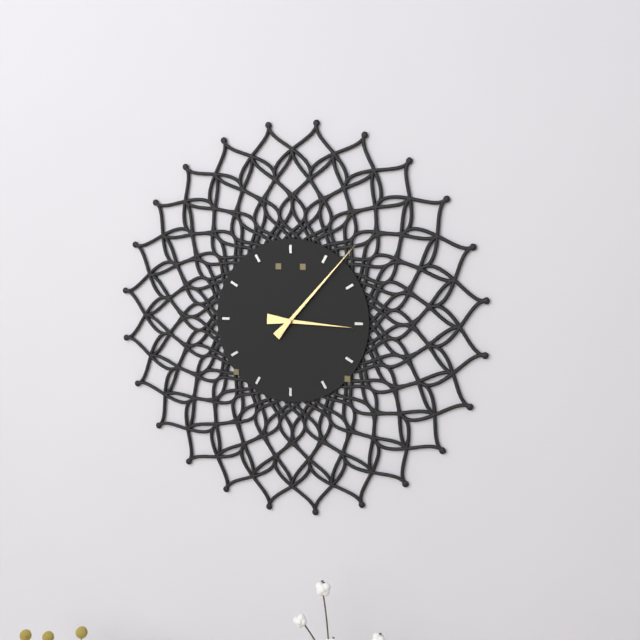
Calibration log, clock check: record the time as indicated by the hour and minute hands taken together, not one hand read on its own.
3:07
